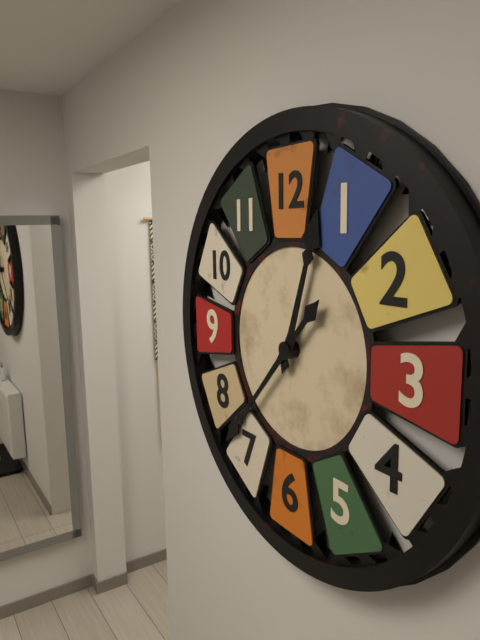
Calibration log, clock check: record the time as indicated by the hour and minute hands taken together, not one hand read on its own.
12:37
